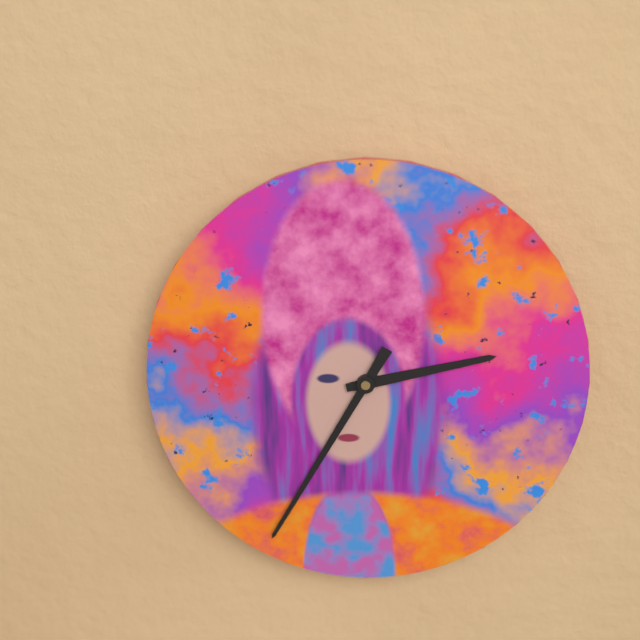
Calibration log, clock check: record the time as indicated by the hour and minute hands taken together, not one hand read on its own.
2:35
